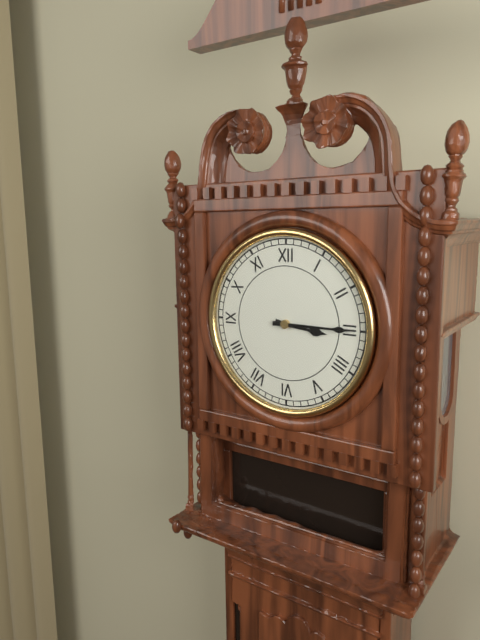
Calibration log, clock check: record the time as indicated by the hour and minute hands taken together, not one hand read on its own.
3:15
